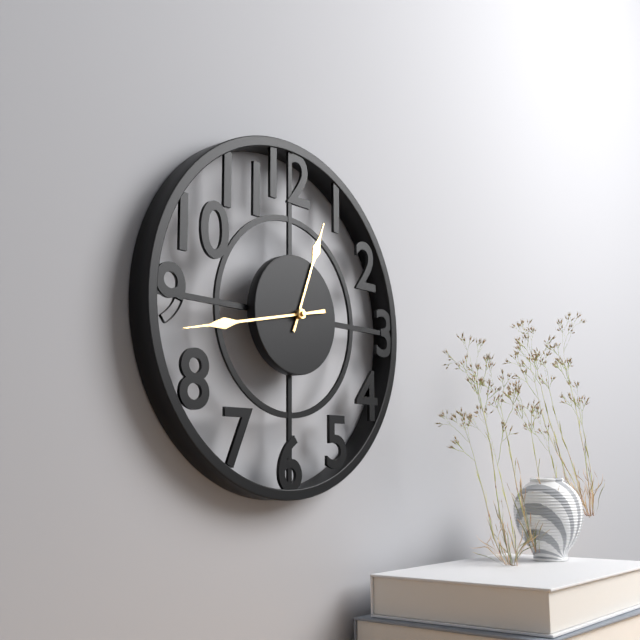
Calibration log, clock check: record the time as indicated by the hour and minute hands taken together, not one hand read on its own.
12:43
